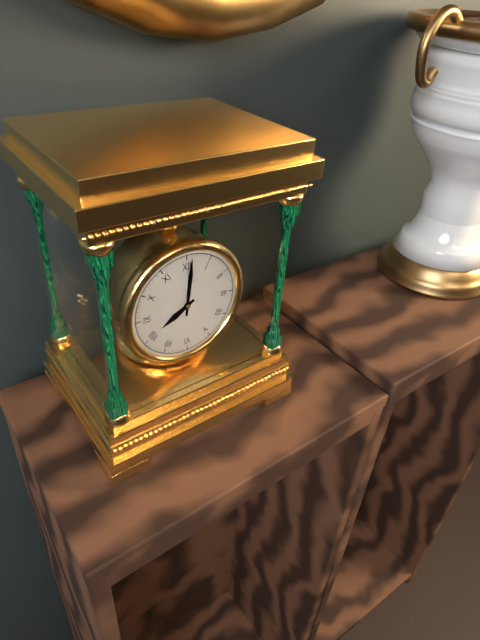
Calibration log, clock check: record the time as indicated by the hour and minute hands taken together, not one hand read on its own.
8:01
